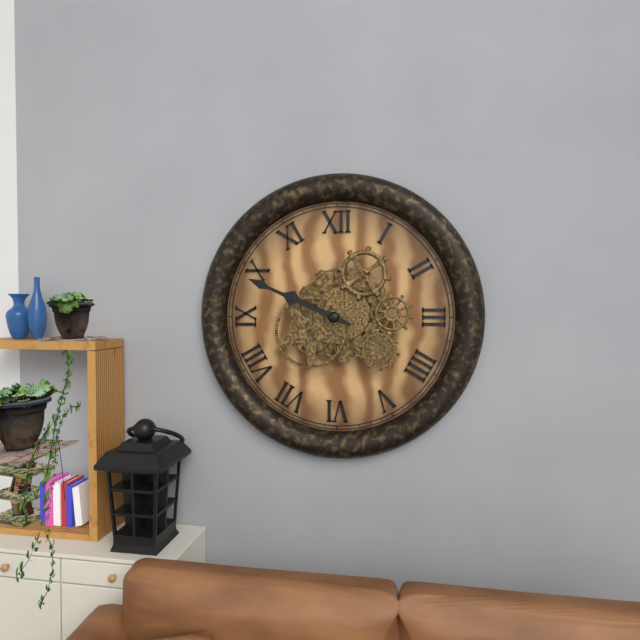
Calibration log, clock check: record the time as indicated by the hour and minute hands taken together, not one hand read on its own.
9:49
